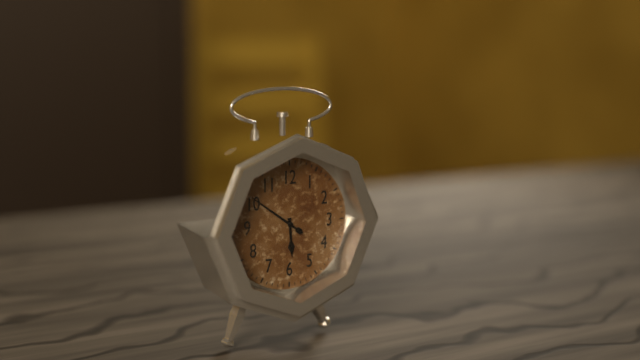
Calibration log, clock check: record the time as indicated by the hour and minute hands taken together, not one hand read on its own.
5:51
